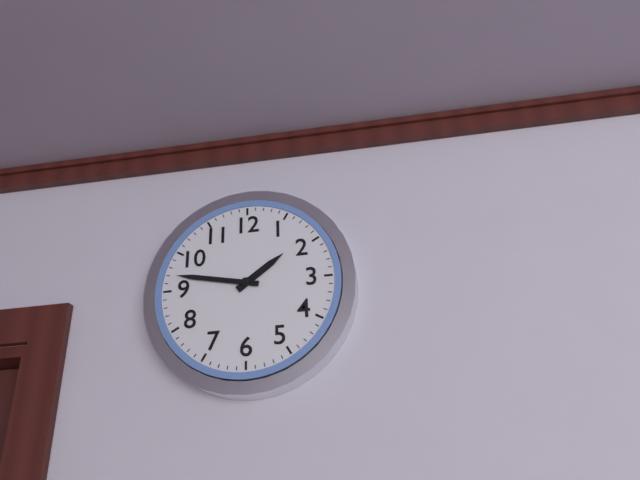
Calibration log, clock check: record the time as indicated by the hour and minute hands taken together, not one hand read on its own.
1:47
